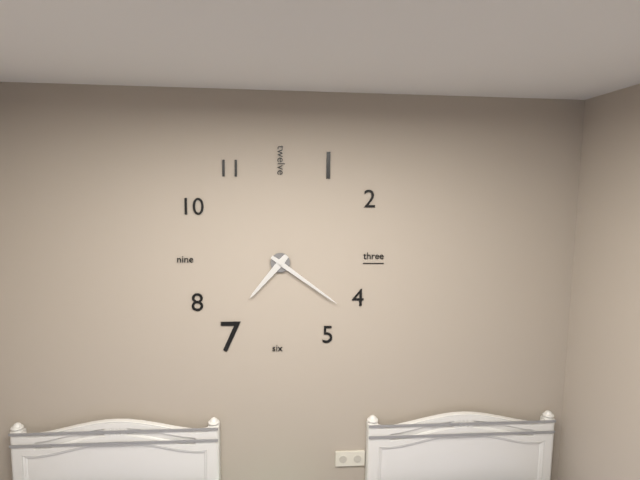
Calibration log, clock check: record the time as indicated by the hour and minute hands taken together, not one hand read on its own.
7:21
